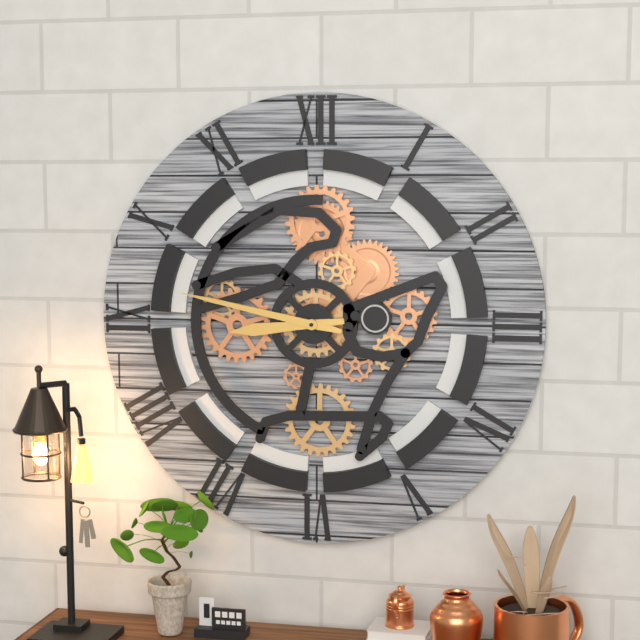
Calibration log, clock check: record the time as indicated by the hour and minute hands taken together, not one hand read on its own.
8:47
